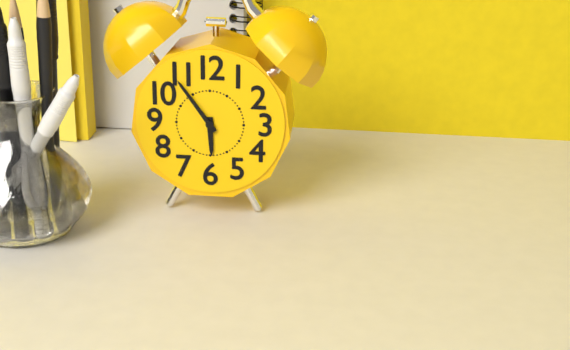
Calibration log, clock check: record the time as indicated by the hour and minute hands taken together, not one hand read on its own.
5:54
